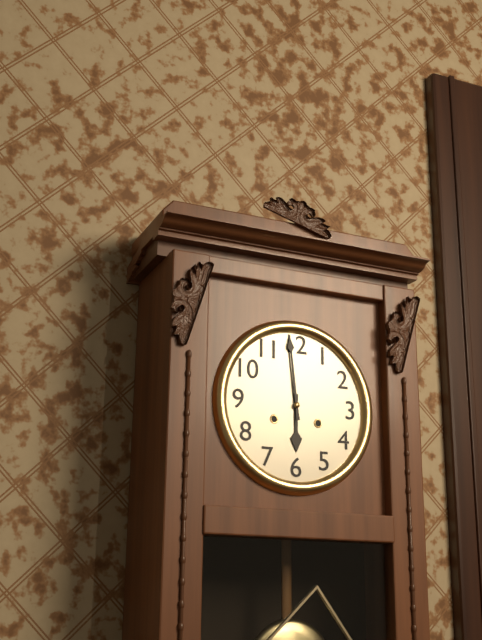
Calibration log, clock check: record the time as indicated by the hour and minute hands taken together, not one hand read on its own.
5:59
